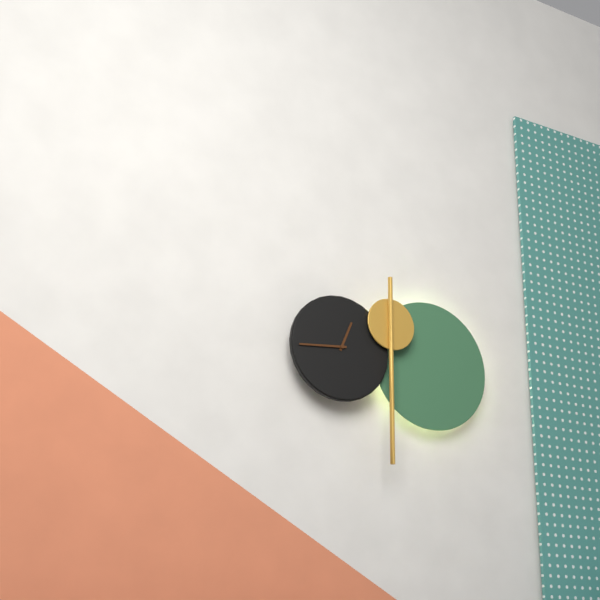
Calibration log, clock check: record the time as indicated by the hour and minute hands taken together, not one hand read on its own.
12:44
